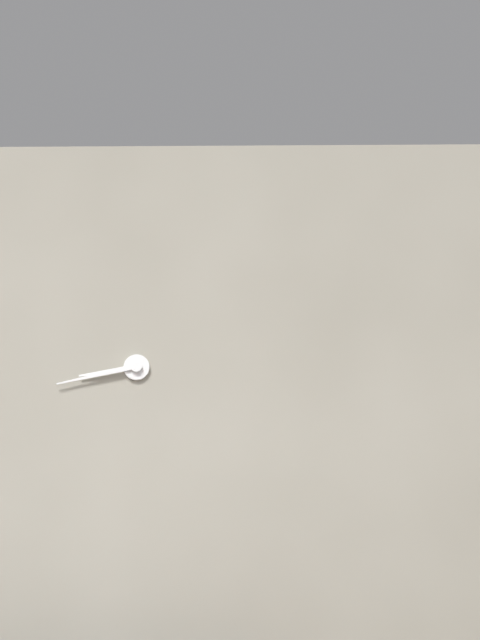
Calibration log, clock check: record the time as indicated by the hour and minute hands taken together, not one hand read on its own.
8:43
